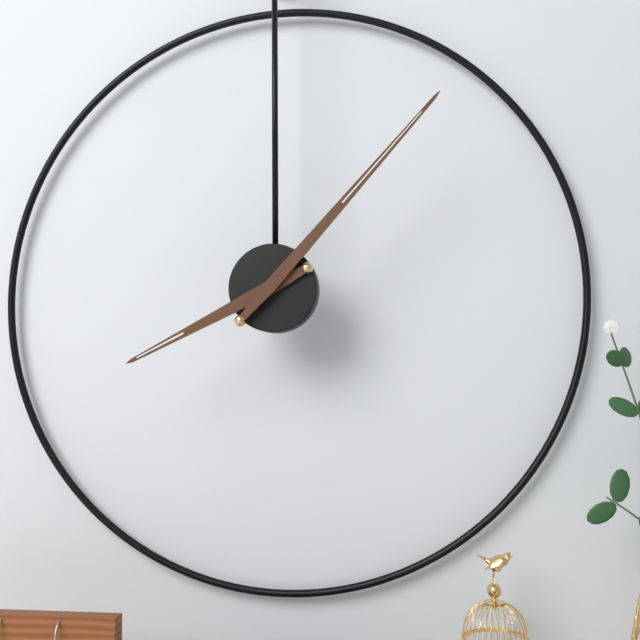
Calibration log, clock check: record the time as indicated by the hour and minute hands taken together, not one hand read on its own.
8:07
